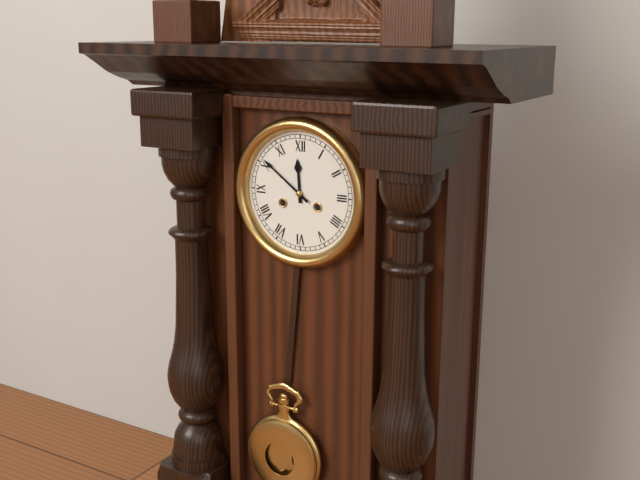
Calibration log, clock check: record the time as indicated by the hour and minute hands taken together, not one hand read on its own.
11:51
